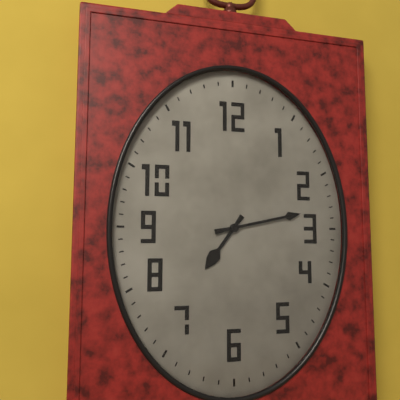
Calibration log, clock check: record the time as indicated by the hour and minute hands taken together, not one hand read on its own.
7:13
